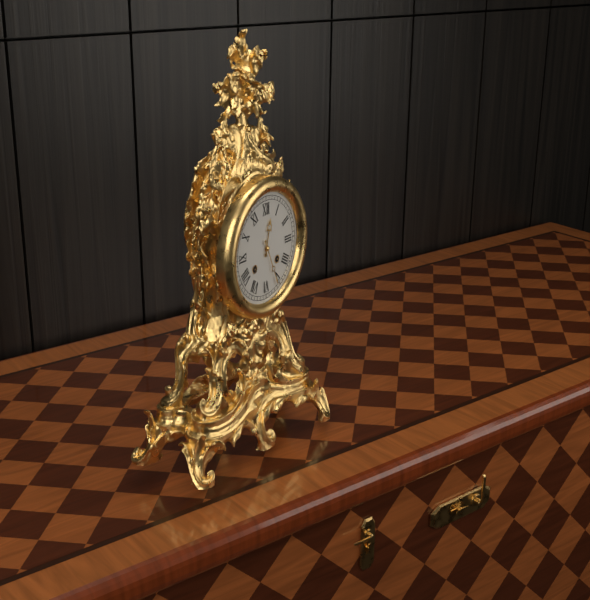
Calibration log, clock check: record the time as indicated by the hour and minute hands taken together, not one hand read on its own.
12:26
